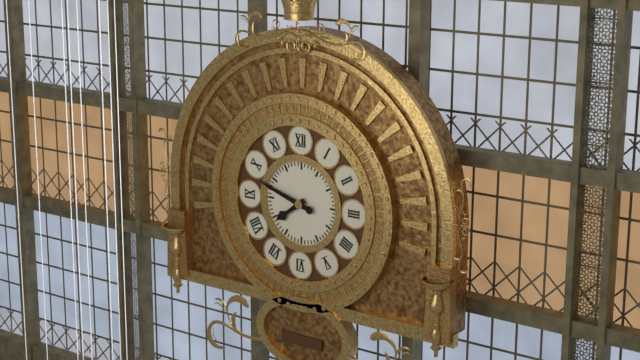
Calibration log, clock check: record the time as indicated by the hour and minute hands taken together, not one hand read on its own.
7:48
